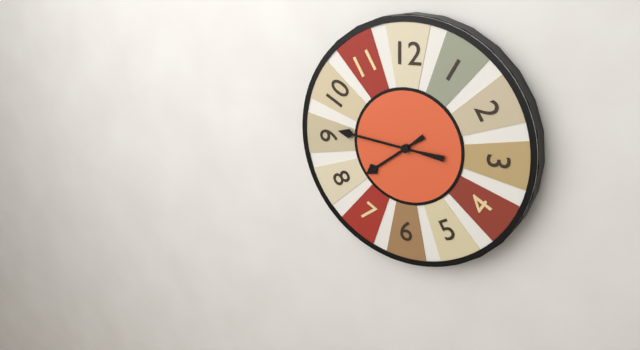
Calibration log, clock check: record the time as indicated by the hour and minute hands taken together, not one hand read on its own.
7:46
